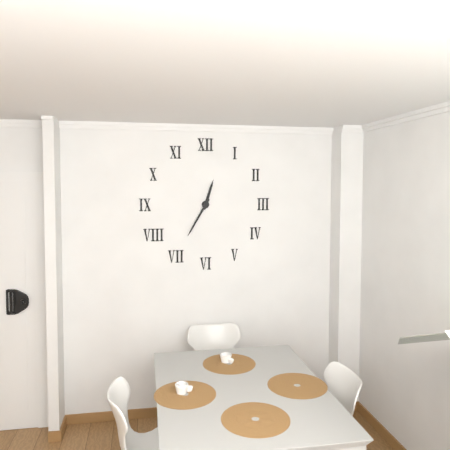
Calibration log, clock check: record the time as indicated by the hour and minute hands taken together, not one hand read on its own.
12:35
